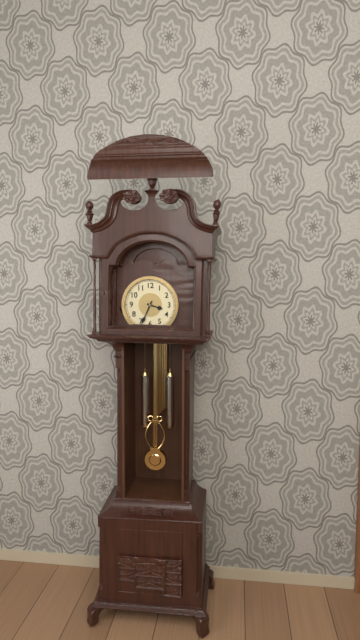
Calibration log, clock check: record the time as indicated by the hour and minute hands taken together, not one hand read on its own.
3:34
